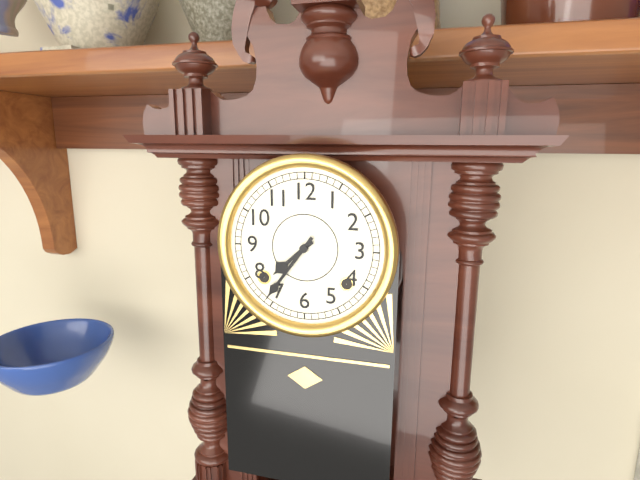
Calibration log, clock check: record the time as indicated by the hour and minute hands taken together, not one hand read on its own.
7:36
